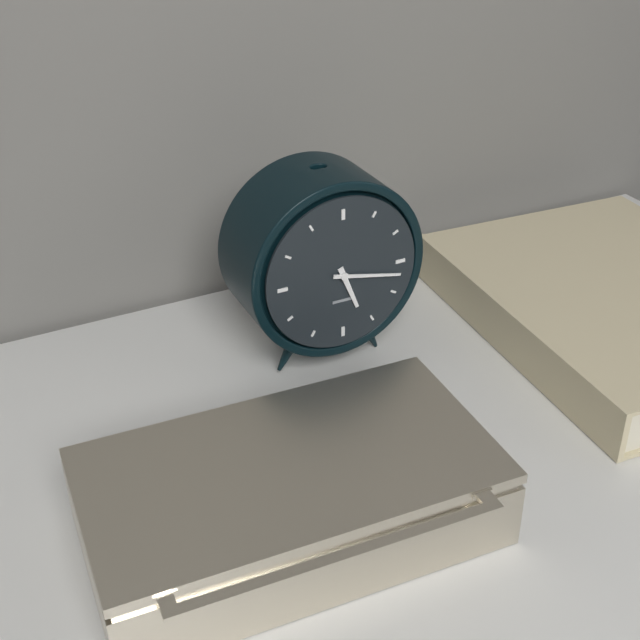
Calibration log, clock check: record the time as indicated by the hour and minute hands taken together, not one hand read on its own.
5:17
